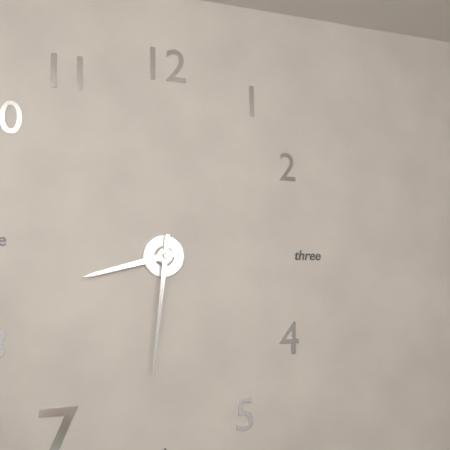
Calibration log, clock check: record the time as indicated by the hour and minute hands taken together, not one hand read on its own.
8:31
